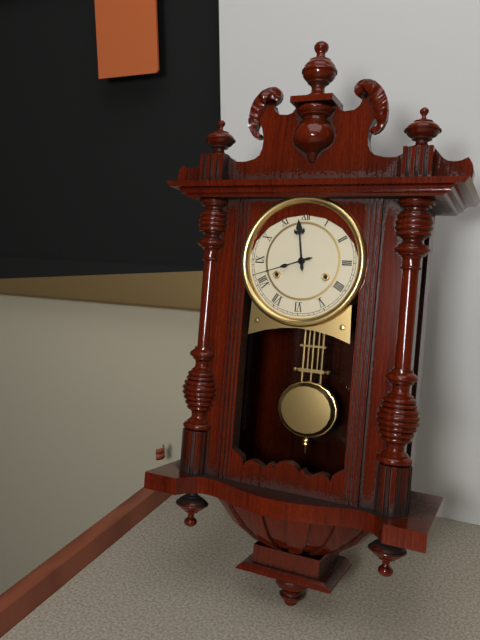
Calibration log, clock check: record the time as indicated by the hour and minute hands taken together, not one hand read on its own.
11:42
